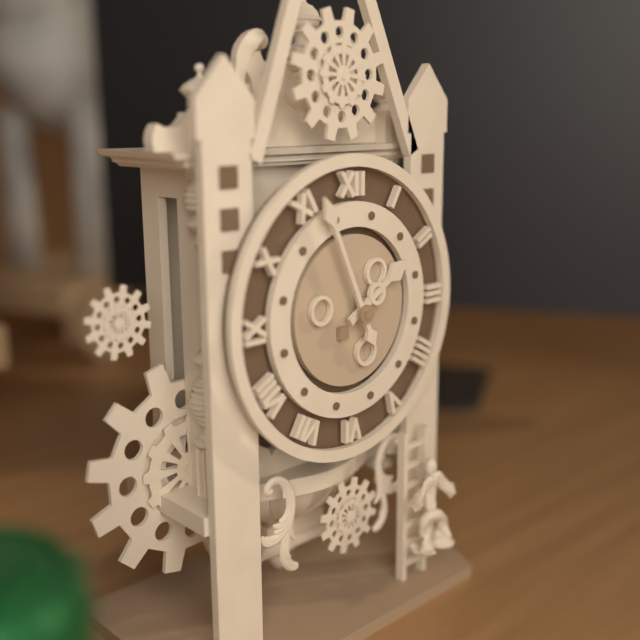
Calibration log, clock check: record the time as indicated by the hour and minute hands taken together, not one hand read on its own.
1:56
